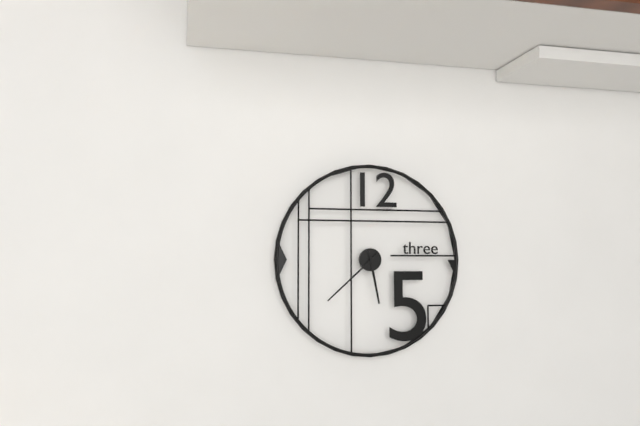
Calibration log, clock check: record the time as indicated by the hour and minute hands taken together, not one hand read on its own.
5:38
